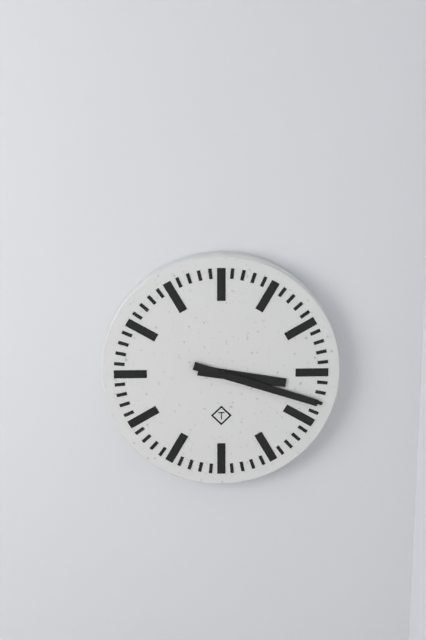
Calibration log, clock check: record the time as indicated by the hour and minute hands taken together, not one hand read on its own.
3:18
